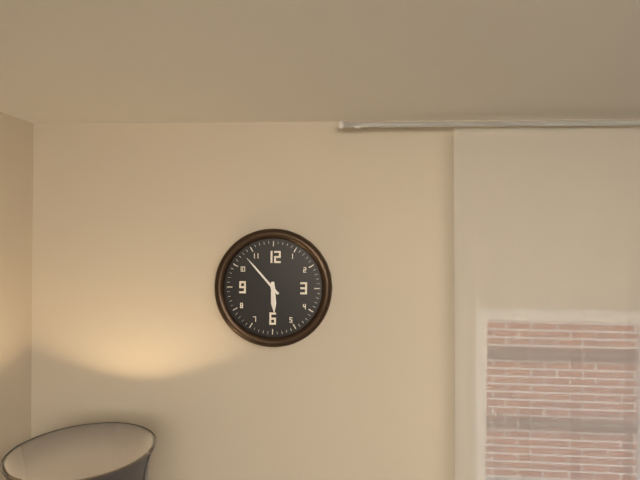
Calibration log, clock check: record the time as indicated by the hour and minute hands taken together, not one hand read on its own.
5:53
